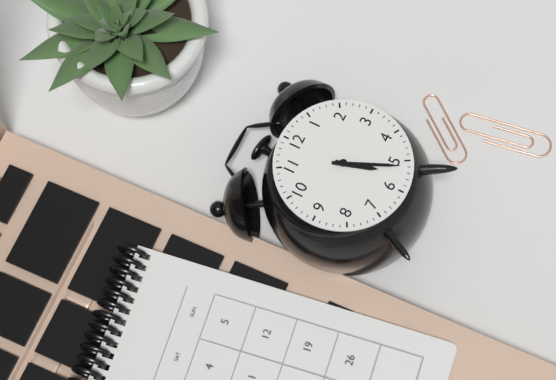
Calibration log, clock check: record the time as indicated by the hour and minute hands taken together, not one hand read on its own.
5:26
